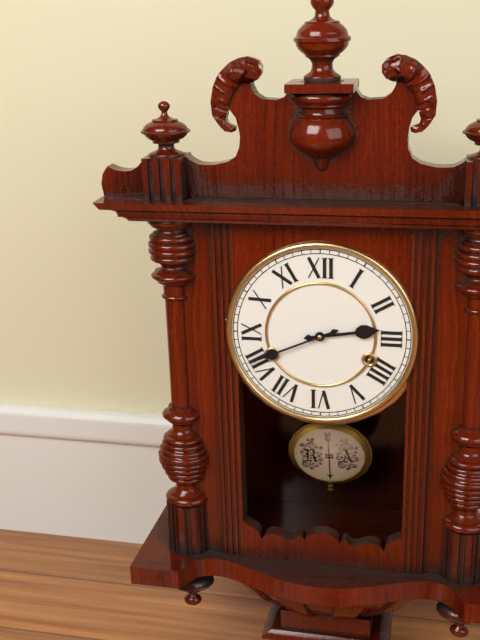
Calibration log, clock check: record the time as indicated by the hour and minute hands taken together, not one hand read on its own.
2:41
